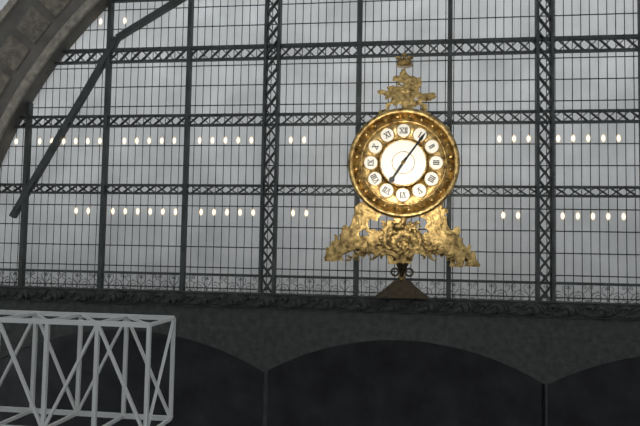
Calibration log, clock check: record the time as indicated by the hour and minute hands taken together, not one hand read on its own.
7:06
